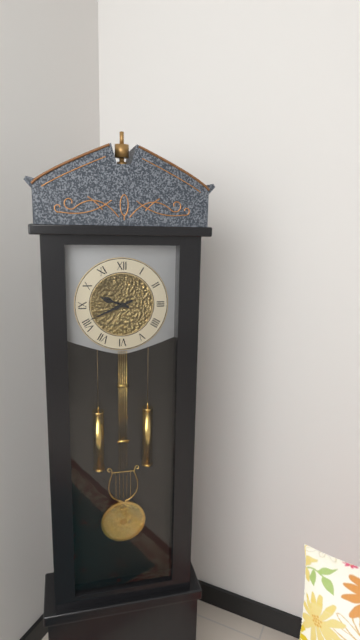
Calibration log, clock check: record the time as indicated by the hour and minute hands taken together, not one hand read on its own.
9:41
